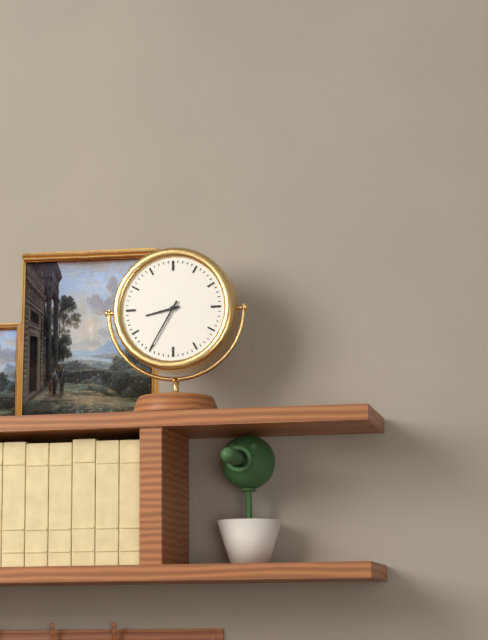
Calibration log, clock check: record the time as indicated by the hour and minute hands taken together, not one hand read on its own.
8:35
